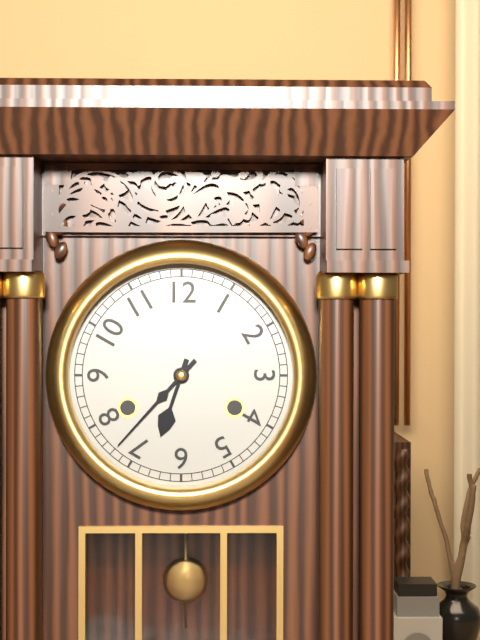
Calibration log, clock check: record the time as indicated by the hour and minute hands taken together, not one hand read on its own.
6:37
